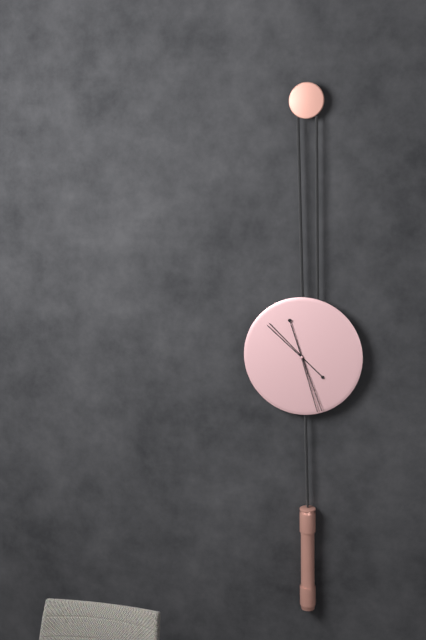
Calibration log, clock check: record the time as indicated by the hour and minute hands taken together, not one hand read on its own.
10:27
